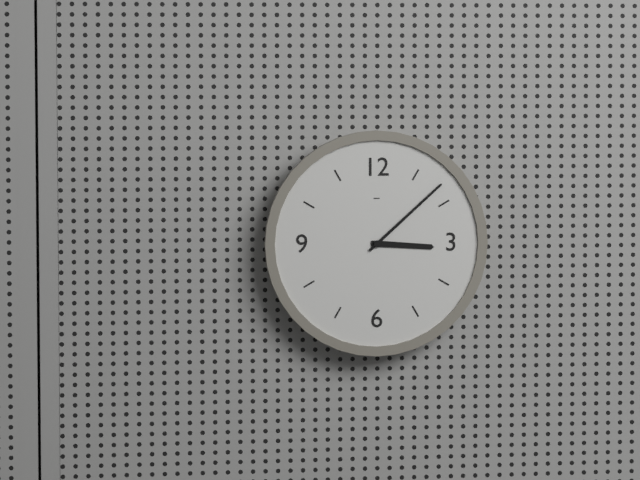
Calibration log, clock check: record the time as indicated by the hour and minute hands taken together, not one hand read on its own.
3:08
